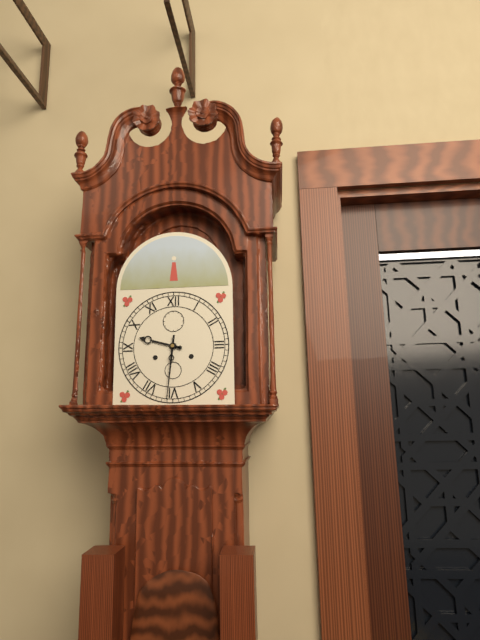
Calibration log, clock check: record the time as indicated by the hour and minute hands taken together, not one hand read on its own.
9:31
